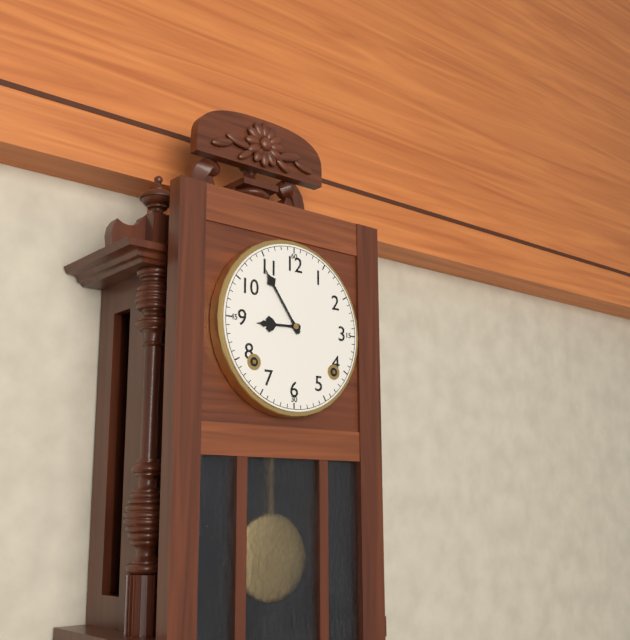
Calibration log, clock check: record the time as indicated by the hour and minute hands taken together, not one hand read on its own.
8:54
